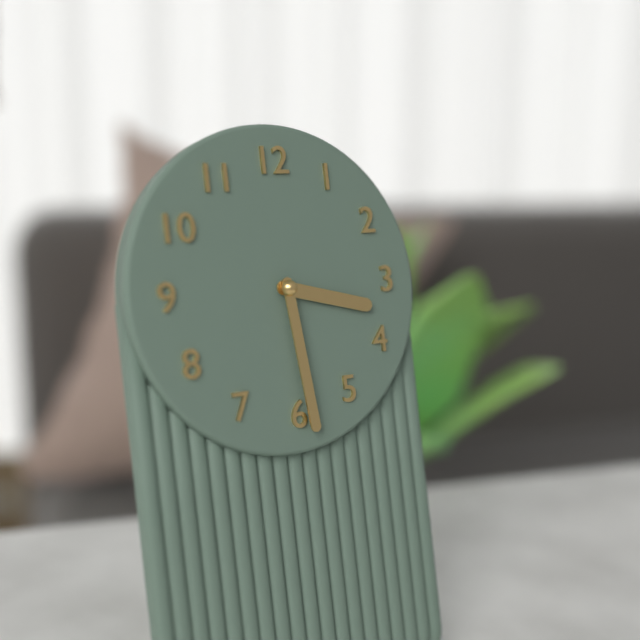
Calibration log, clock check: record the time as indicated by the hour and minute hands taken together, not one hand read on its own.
3:29
